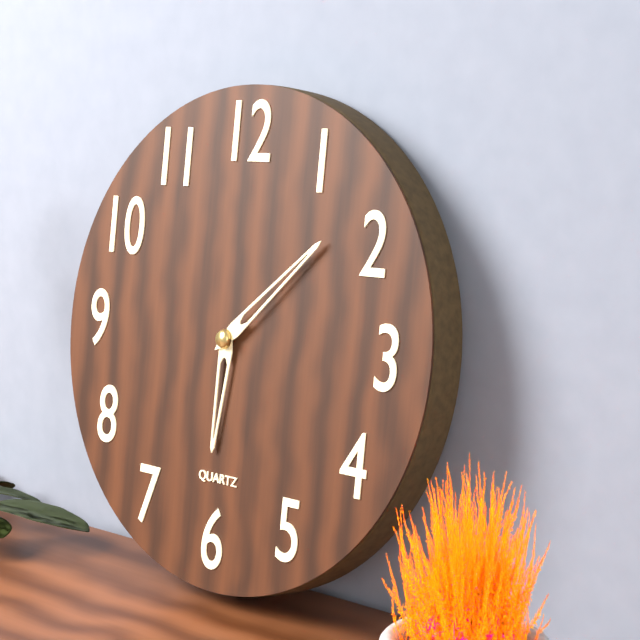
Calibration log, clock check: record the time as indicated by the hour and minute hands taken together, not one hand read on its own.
6:08
